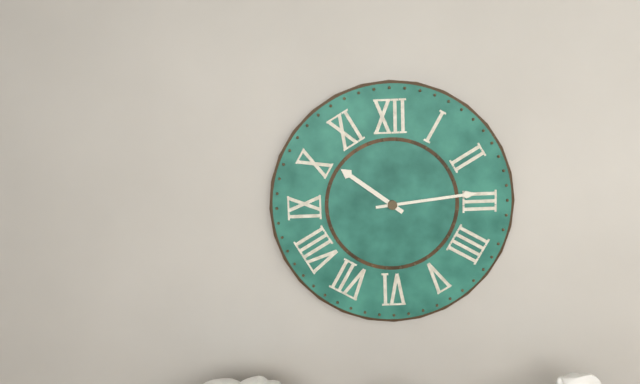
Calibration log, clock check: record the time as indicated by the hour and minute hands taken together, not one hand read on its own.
10:14
